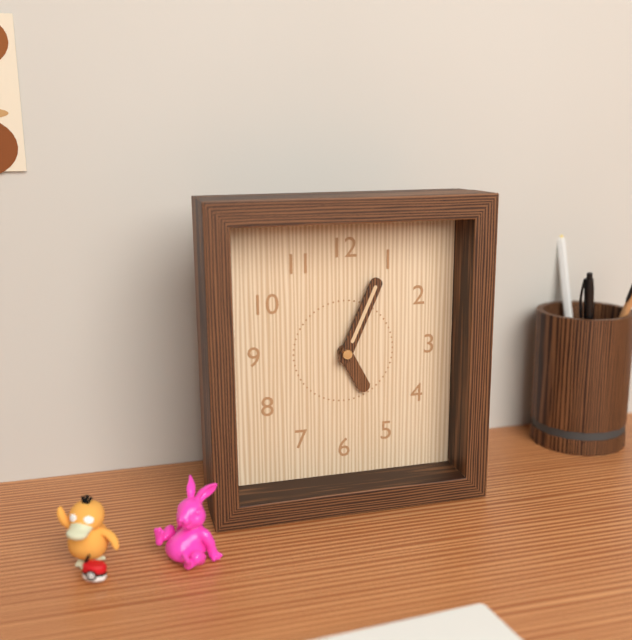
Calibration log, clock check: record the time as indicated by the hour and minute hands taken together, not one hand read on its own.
5:04
